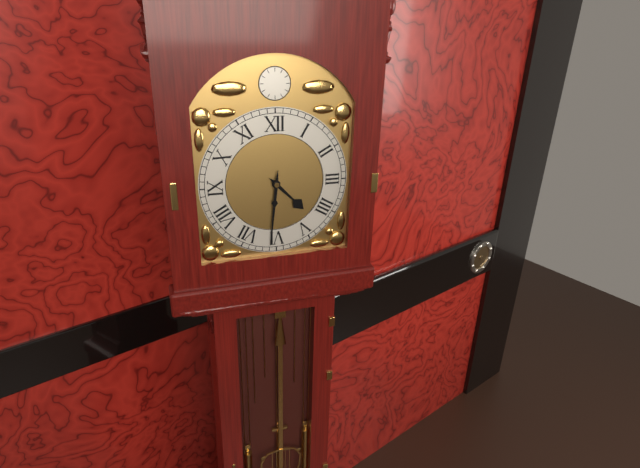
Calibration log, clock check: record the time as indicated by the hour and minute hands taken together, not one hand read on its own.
4:31
